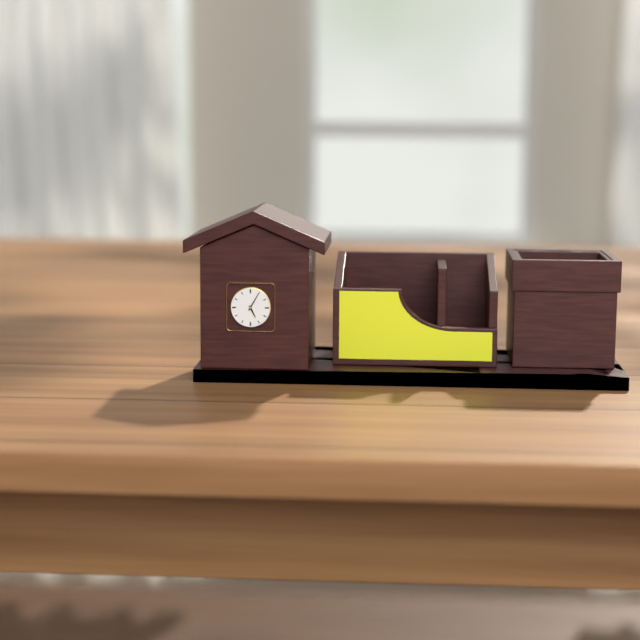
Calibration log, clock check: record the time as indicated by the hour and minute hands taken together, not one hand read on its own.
5:05
